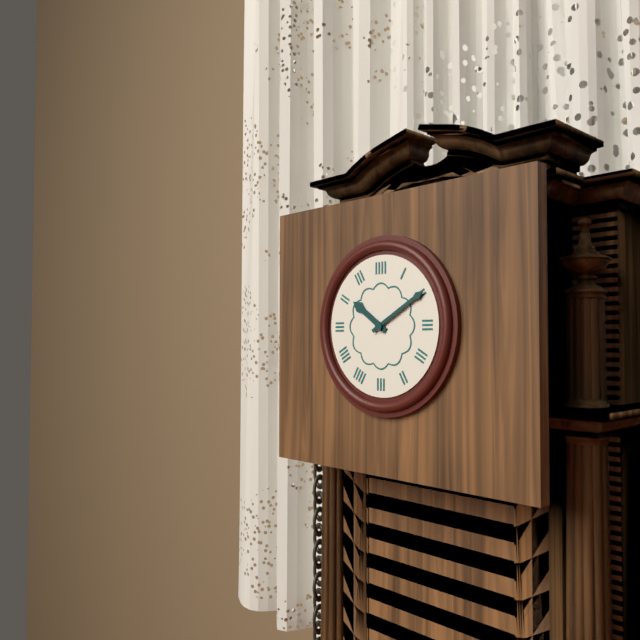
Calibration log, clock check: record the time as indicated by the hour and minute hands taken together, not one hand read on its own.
10:10
